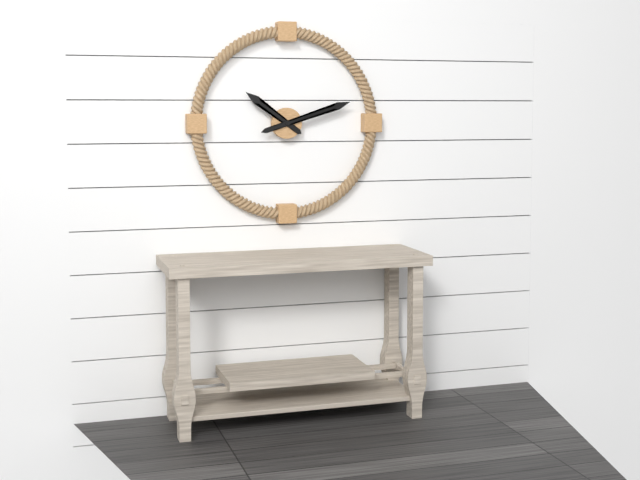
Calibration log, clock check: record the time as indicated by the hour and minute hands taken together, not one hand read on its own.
10:12
